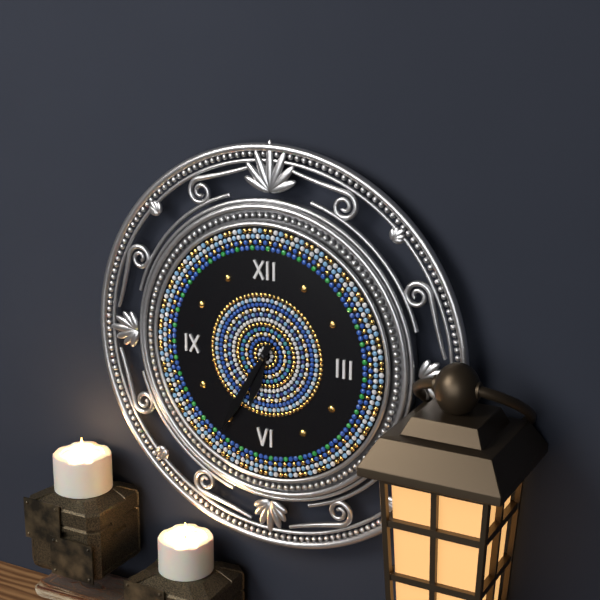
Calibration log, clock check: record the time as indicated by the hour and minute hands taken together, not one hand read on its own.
6:35
